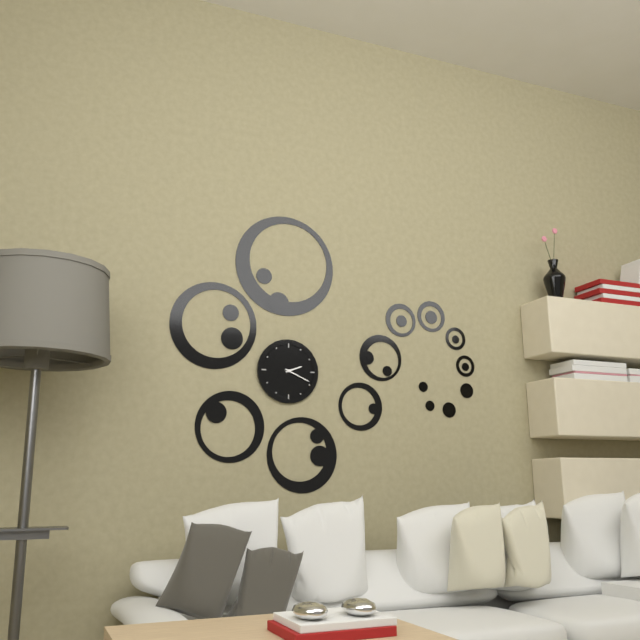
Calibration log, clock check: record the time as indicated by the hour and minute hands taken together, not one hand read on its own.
2:19
